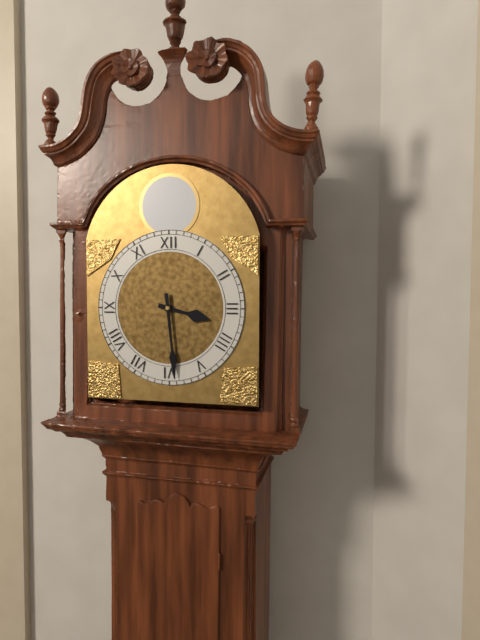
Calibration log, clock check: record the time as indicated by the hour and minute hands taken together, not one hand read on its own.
3:29
